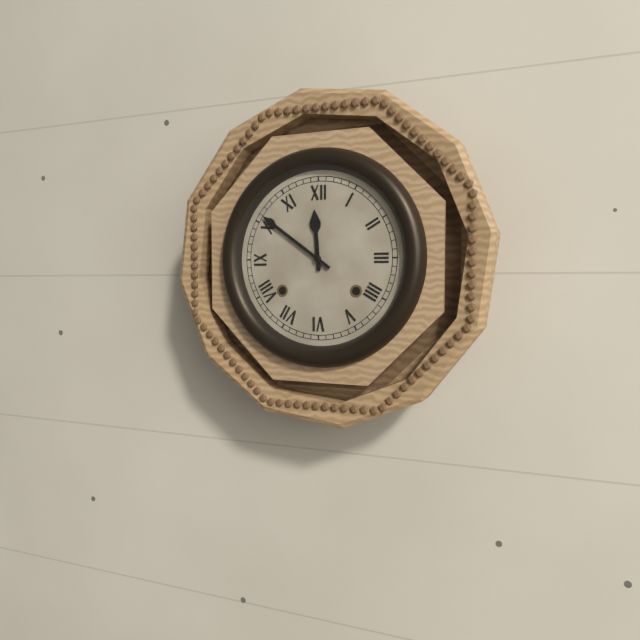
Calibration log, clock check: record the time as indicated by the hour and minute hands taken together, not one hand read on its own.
11:51
